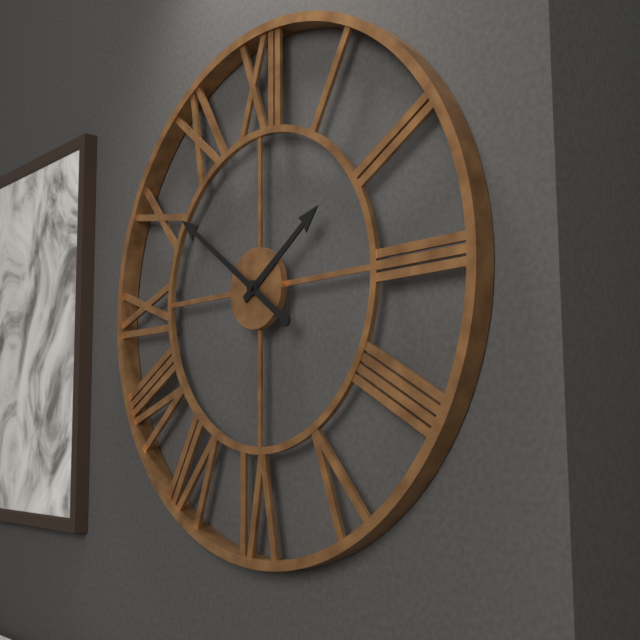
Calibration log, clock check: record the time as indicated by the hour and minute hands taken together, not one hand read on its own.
1:51
